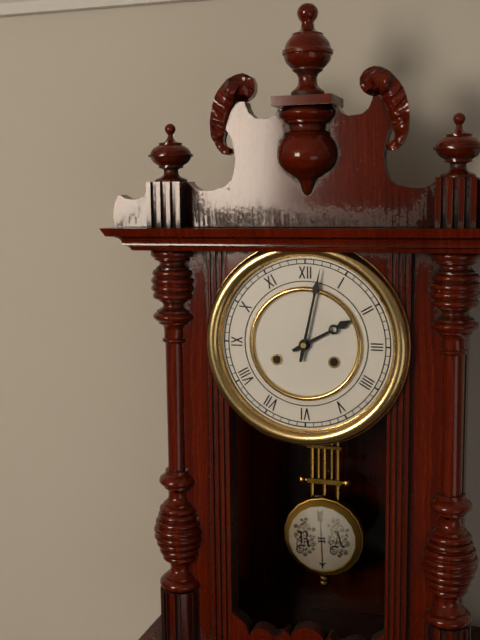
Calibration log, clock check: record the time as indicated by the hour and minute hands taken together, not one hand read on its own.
2:02
